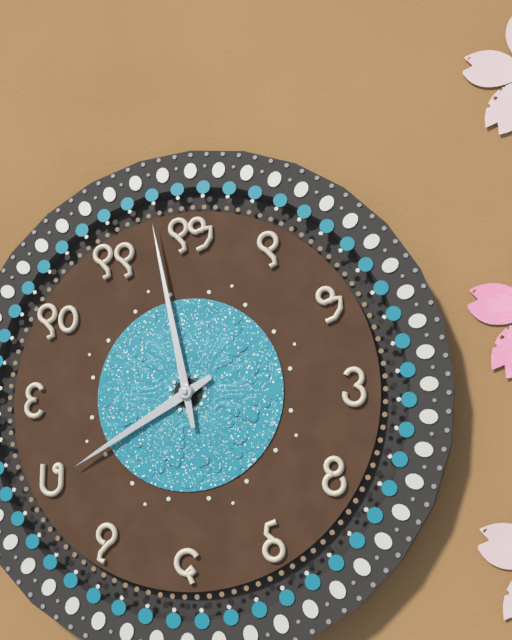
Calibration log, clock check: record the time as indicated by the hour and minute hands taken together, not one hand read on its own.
7:58
